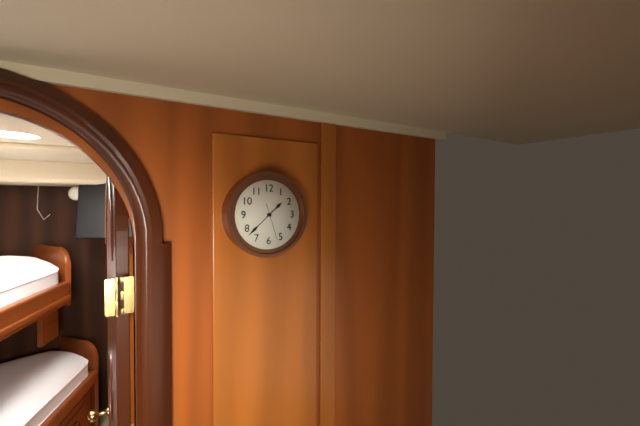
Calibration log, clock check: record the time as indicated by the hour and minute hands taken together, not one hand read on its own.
1:38
